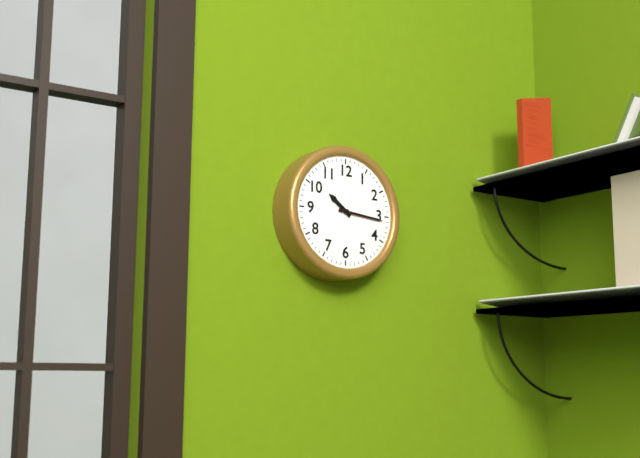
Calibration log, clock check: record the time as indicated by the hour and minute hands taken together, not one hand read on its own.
10:16
